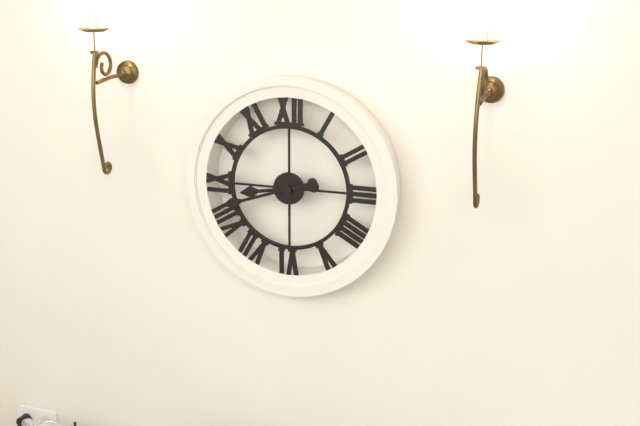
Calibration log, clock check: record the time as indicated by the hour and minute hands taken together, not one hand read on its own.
8:42
